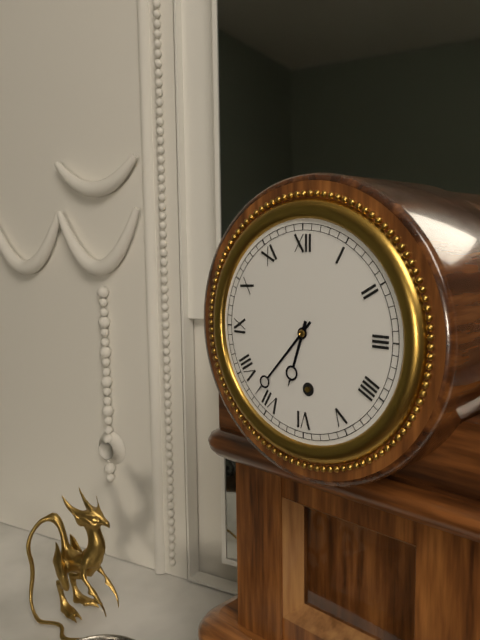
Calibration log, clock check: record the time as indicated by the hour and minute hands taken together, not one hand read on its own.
6:37
